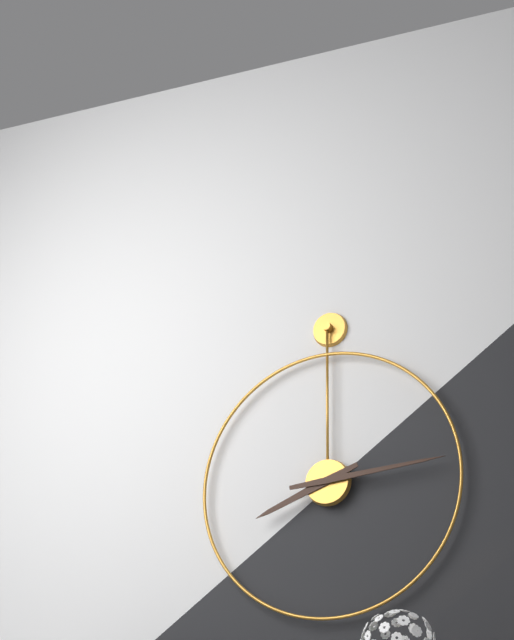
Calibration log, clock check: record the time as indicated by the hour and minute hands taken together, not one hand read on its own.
8:14
